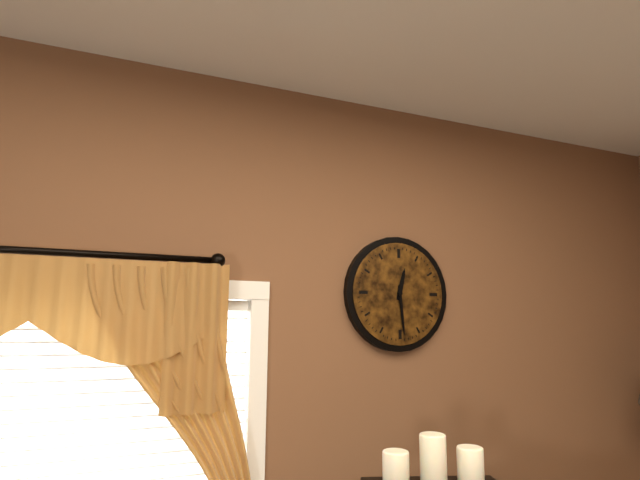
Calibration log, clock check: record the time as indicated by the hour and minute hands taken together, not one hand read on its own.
12:29
